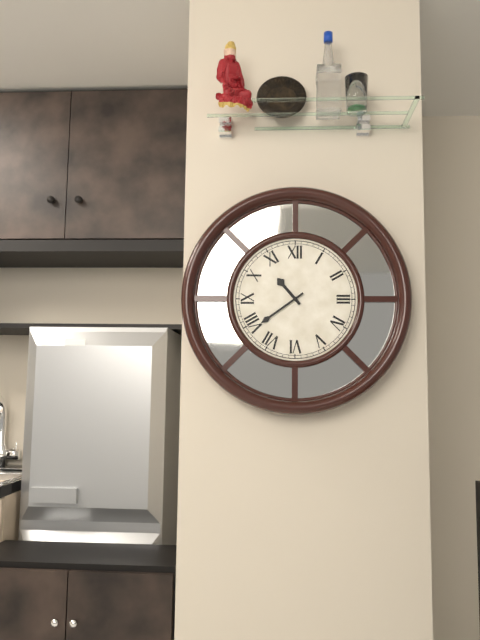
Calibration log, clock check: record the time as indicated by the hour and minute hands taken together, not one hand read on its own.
10:39
